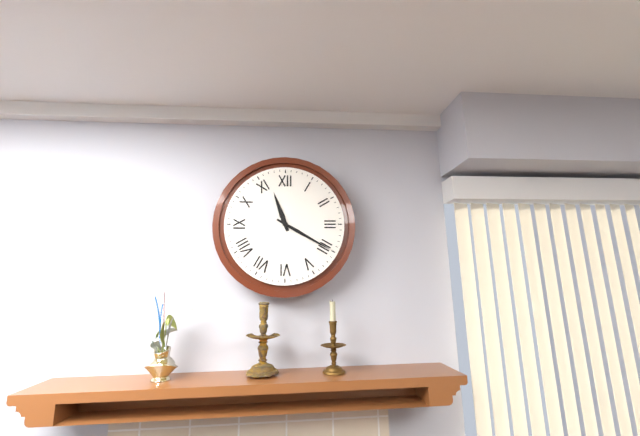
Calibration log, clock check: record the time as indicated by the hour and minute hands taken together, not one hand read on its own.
11:20
